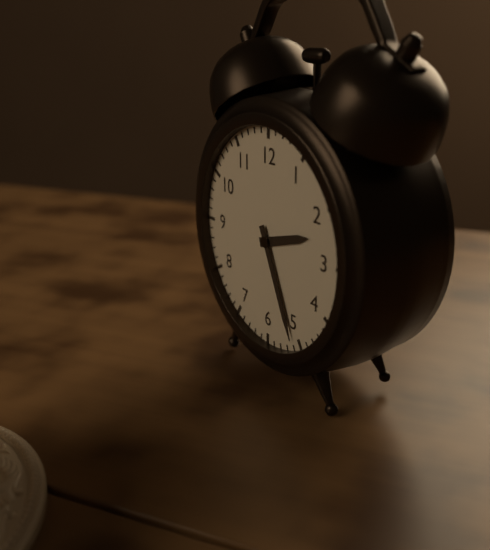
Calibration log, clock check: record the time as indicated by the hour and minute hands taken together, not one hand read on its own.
2:26
